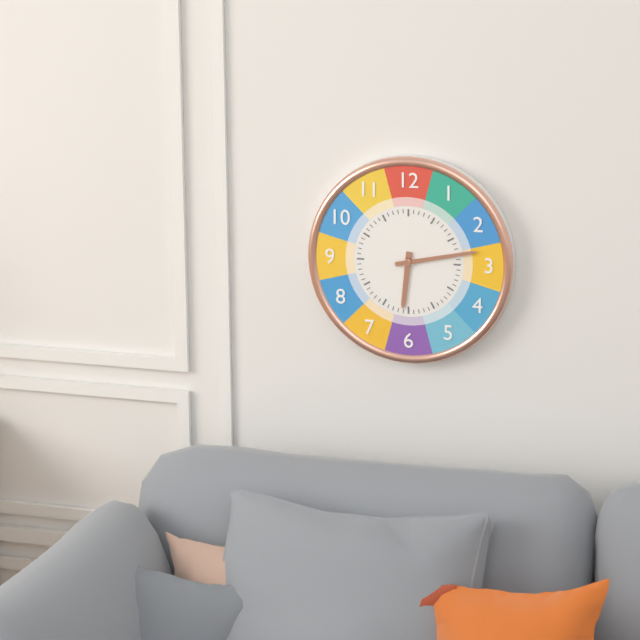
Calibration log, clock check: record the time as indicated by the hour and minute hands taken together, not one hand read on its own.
6:13
